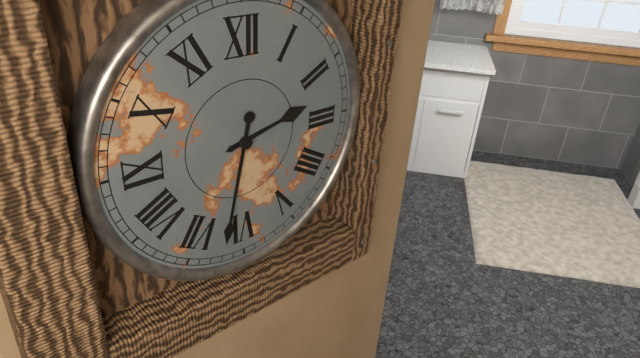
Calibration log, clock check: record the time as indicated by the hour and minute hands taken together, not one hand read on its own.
2:32
